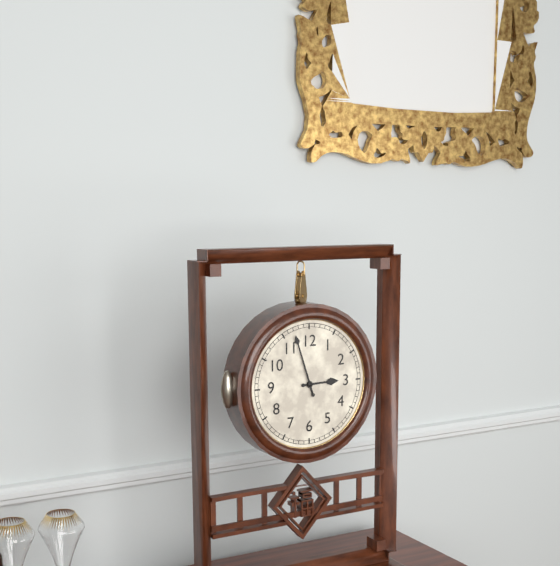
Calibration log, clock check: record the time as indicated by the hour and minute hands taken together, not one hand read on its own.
2:57
